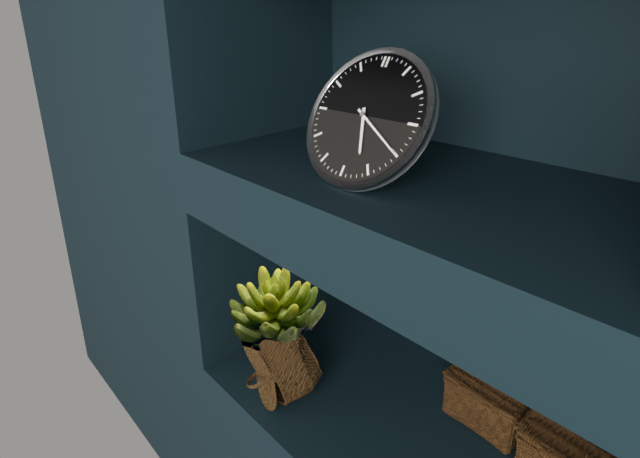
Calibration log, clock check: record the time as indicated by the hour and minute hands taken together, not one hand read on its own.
5:20
